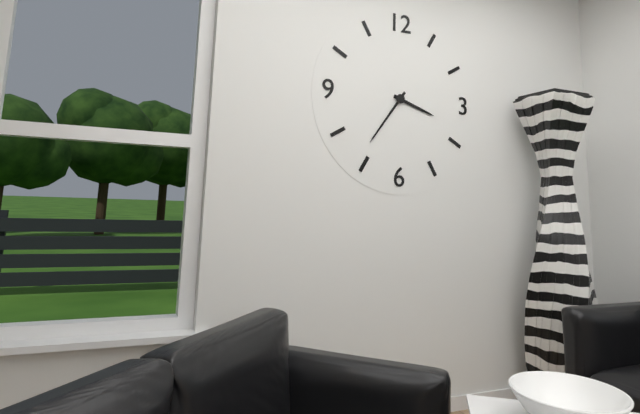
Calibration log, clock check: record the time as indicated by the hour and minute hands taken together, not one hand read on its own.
3:36
